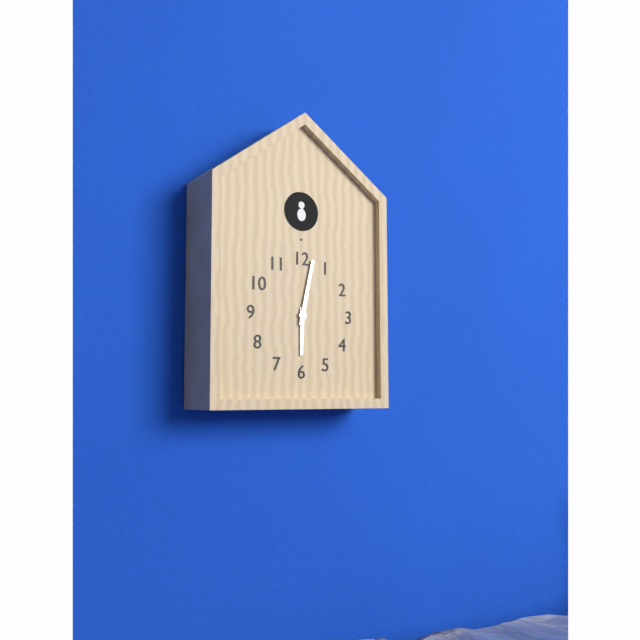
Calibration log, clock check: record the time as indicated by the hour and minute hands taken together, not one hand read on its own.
6:02
